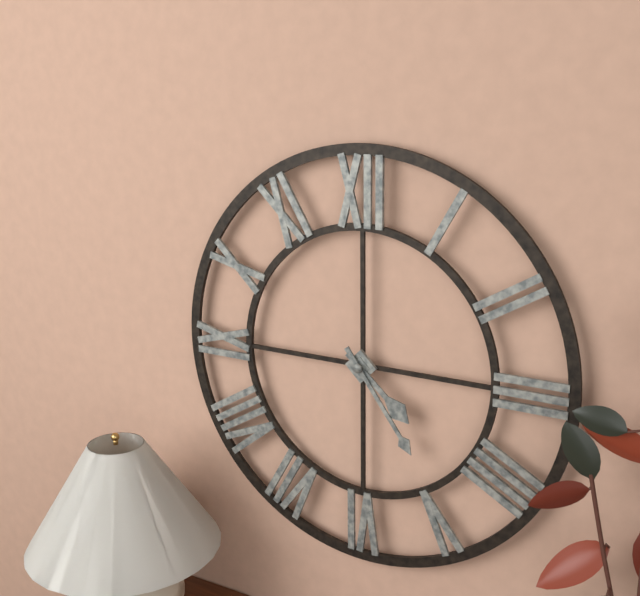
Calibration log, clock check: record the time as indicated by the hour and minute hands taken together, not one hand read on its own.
4:24
